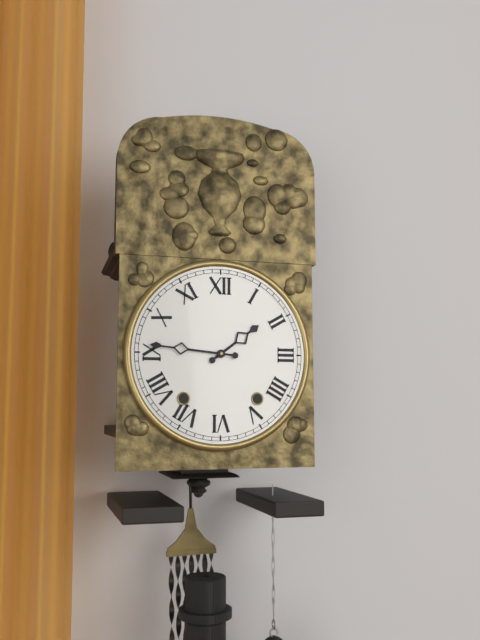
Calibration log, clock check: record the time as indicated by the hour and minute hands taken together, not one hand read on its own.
1:46
